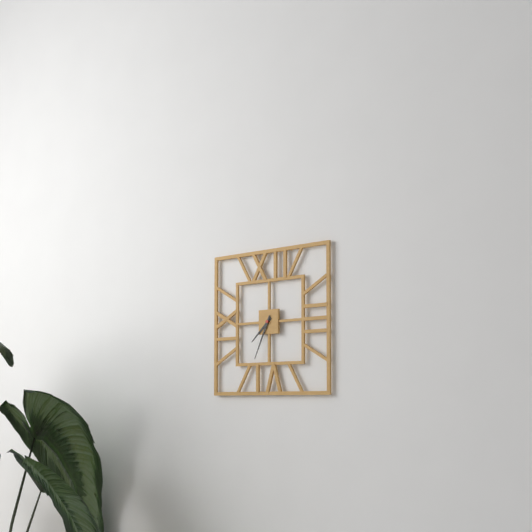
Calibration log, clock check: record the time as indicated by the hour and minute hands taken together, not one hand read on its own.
7:34
